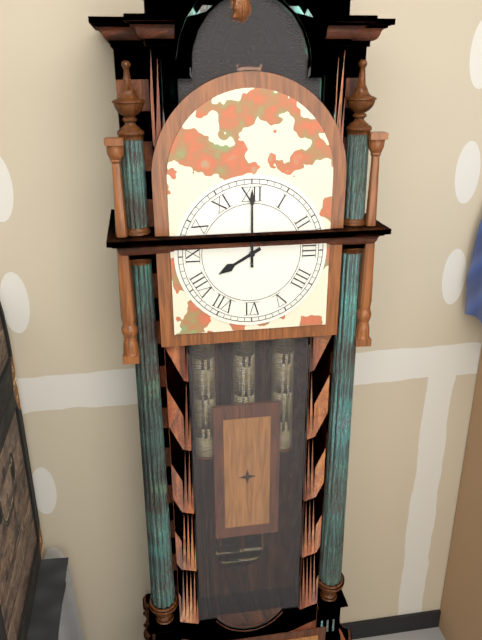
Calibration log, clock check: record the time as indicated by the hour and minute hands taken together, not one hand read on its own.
8:00
